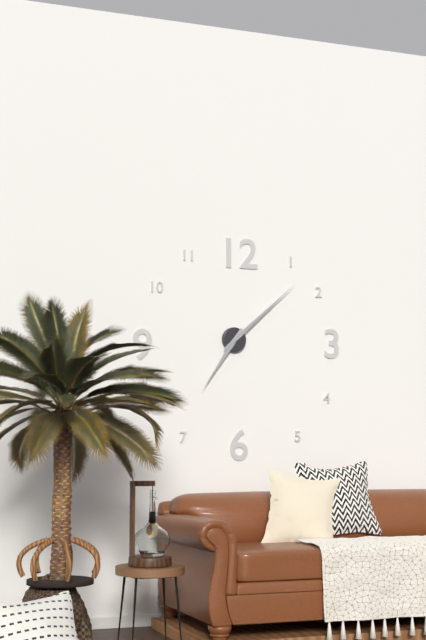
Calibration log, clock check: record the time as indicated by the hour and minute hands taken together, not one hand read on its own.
7:08
